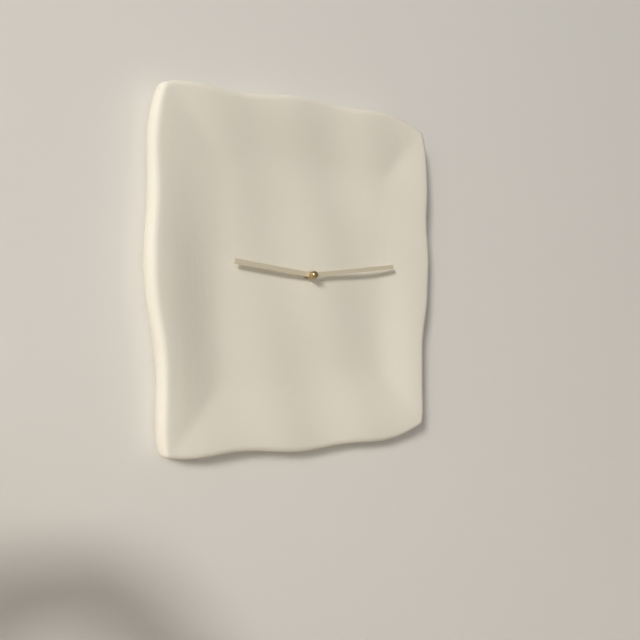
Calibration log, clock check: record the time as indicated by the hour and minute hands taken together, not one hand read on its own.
9:14
